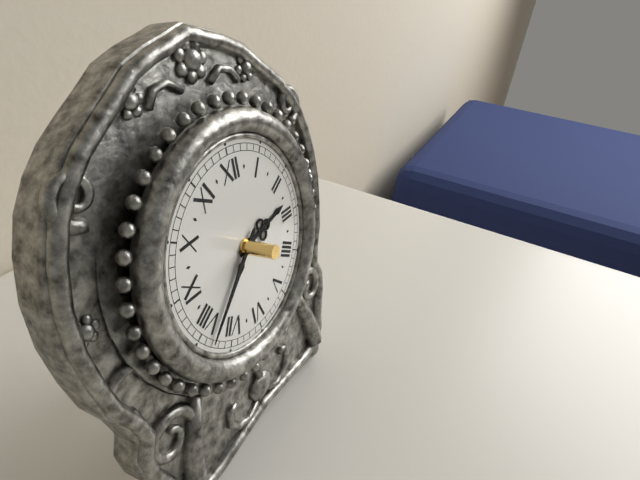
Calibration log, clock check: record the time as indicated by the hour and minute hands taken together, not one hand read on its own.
2:38
